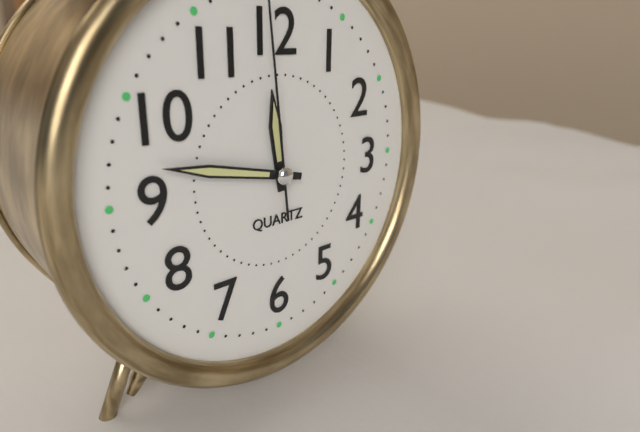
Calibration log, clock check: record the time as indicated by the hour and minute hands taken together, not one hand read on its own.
11:47
